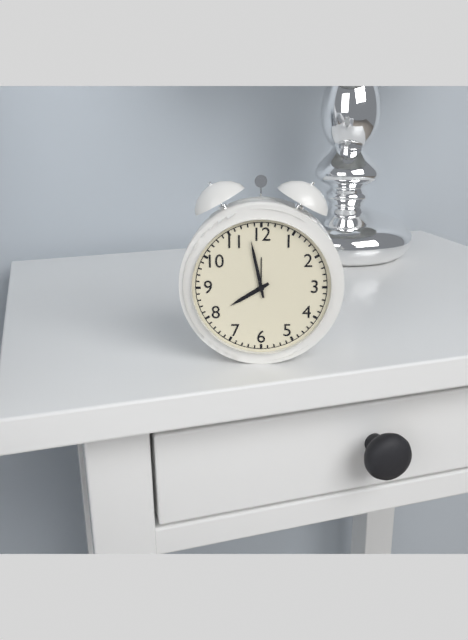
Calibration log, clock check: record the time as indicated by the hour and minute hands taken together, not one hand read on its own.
7:58
